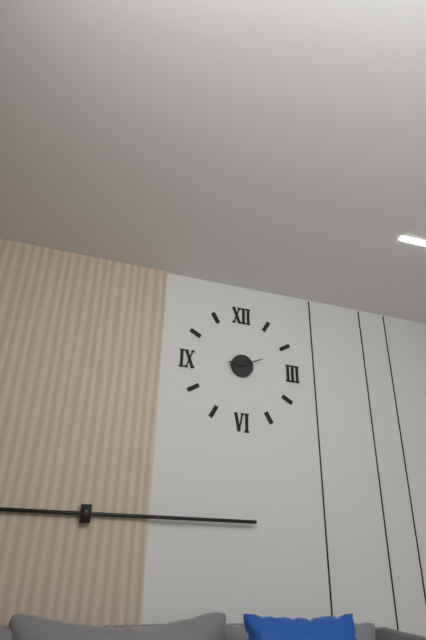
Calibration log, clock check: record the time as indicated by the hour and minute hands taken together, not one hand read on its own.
9:11
